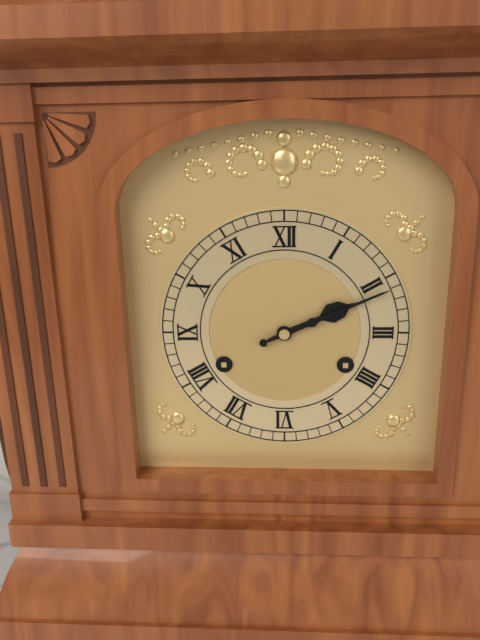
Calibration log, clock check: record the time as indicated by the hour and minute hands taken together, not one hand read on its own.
2:11
